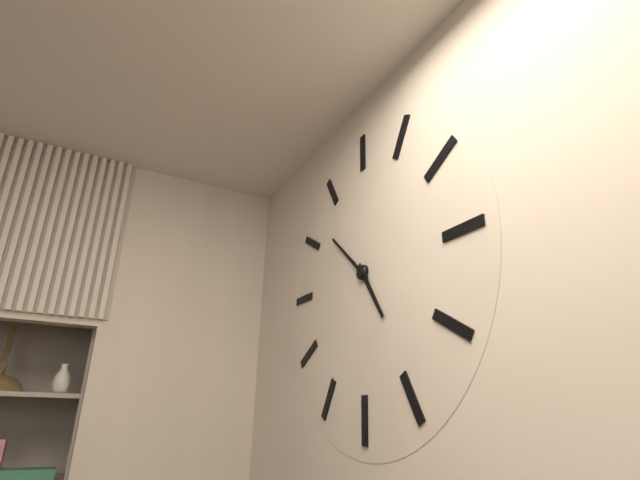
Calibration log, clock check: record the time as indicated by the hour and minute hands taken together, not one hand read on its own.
4:52
